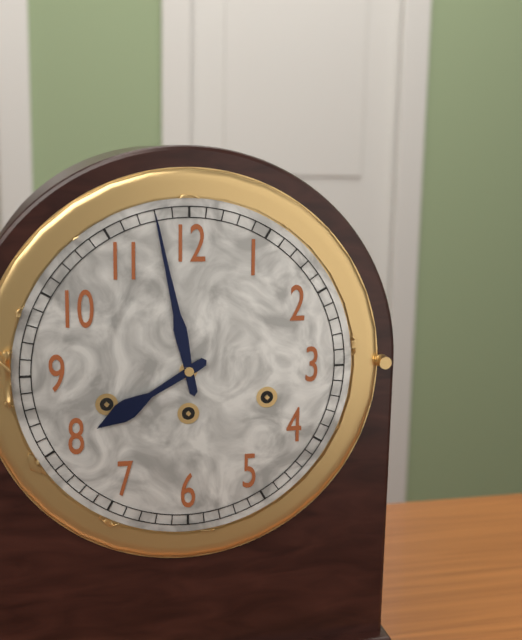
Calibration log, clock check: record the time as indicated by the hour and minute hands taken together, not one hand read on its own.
7:58
